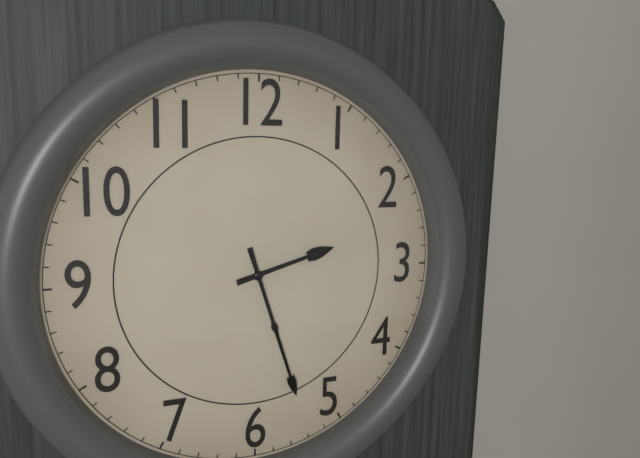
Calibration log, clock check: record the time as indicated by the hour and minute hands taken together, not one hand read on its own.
2:27
